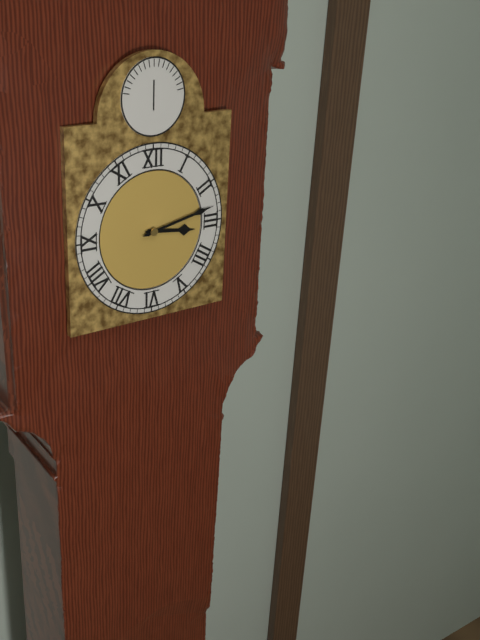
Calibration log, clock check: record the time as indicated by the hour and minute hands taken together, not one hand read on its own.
3:13
